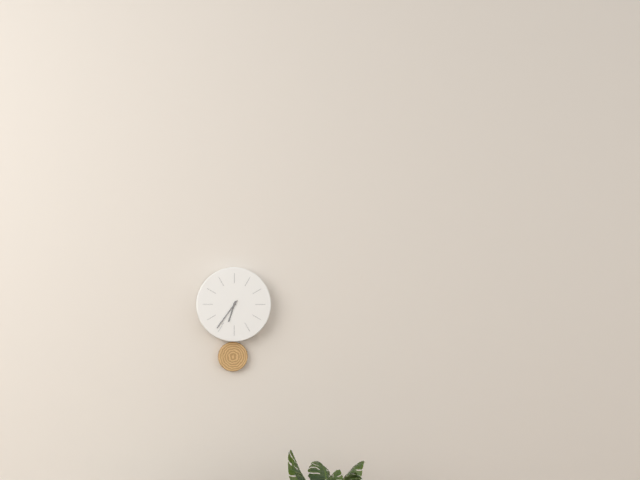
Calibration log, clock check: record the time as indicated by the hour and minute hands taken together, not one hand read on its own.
6:36
